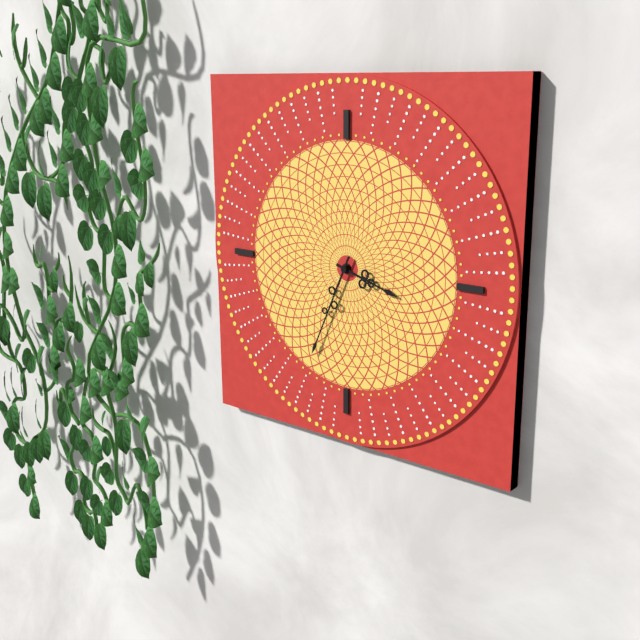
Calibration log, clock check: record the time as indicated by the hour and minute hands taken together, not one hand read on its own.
3:34
